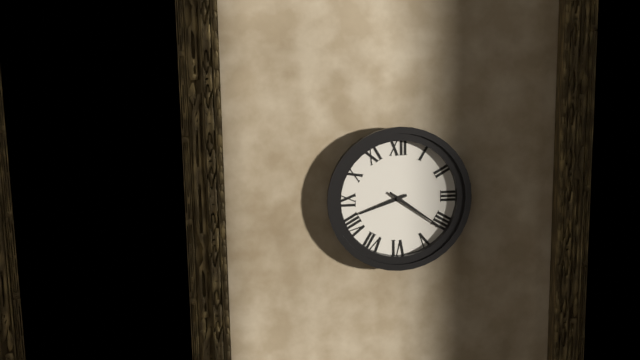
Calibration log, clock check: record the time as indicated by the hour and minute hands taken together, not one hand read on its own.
8:21
